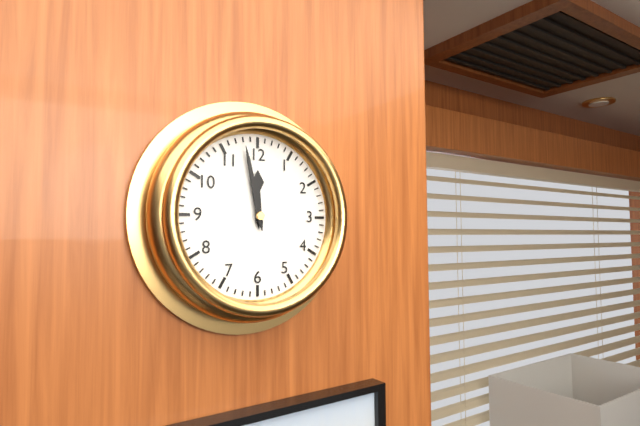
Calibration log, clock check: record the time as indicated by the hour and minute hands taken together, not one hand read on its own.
11:58
